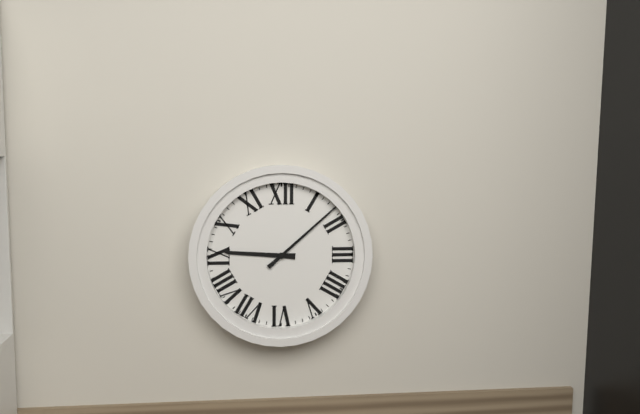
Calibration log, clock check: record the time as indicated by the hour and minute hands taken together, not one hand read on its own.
9:08
